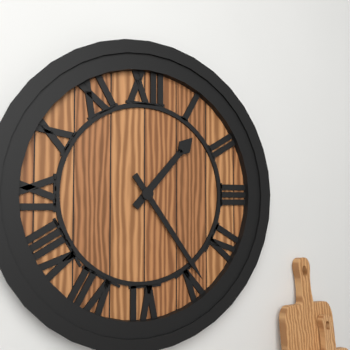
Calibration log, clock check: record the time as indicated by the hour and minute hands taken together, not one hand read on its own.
1:24
